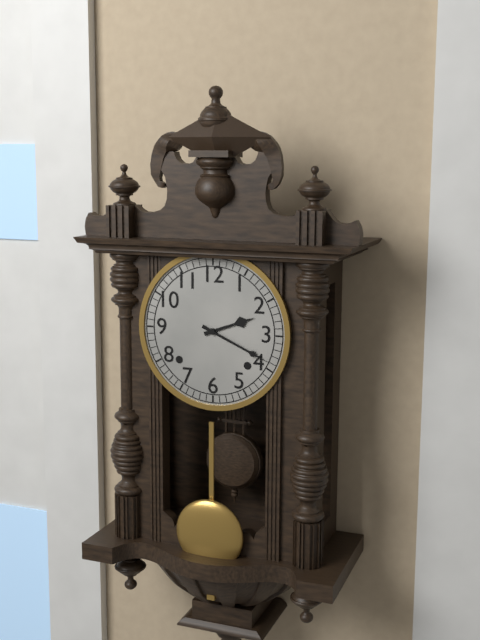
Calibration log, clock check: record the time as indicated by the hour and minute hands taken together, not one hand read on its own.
2:19
